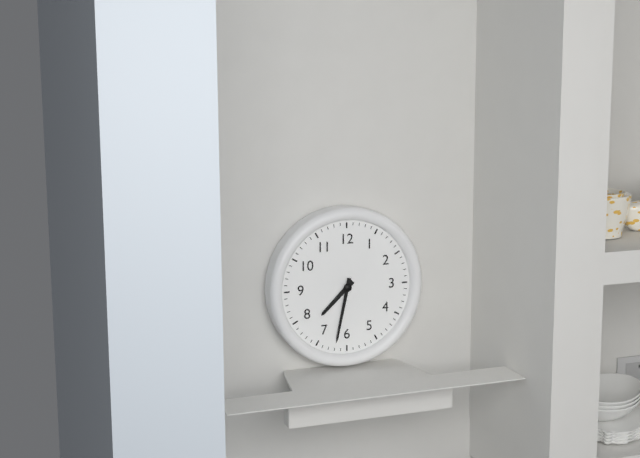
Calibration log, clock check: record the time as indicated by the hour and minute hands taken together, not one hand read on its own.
7:32
